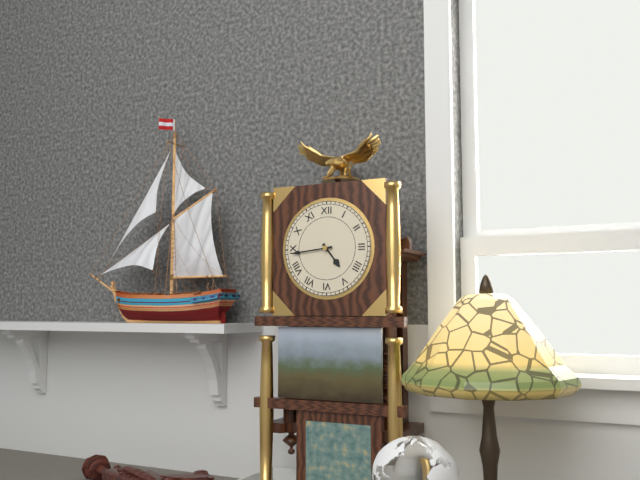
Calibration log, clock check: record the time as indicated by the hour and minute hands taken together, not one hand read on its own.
4:44
